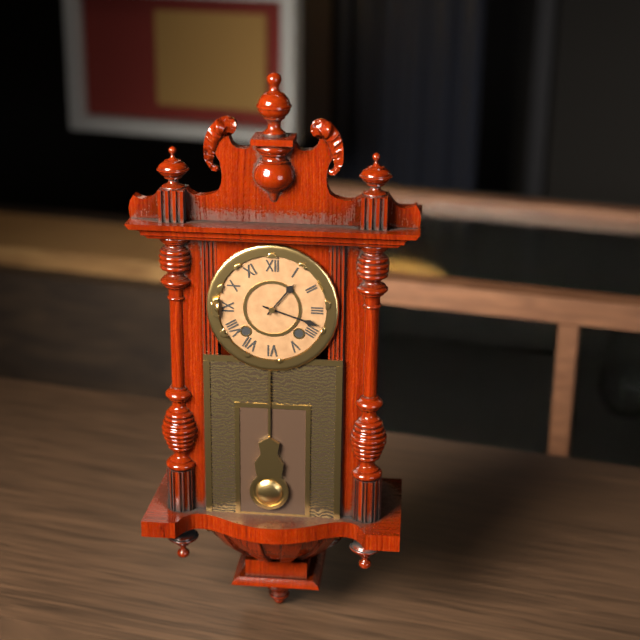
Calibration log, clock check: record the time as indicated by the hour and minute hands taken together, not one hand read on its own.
1:18
